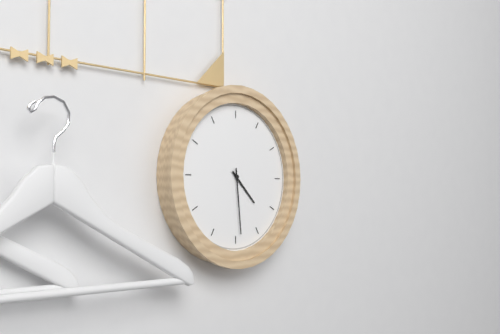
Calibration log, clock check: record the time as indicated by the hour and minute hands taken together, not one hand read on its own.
4:29
